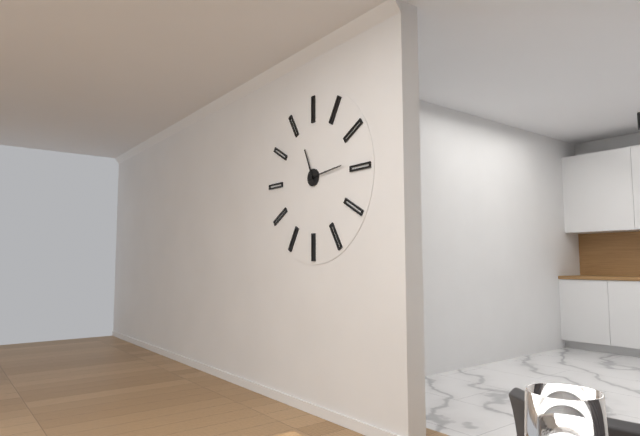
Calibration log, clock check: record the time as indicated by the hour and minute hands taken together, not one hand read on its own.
11:14
